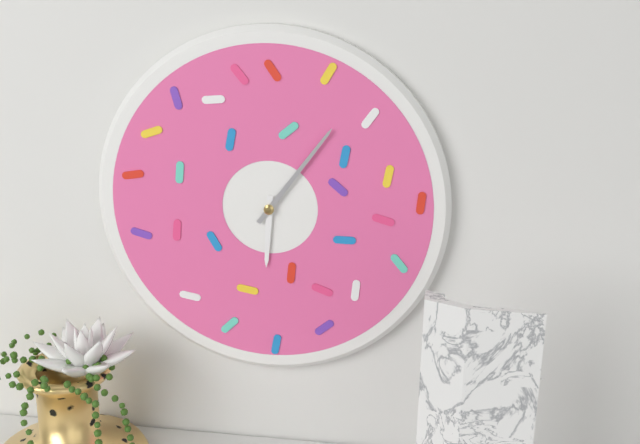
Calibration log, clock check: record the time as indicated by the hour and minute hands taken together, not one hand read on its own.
6:06
